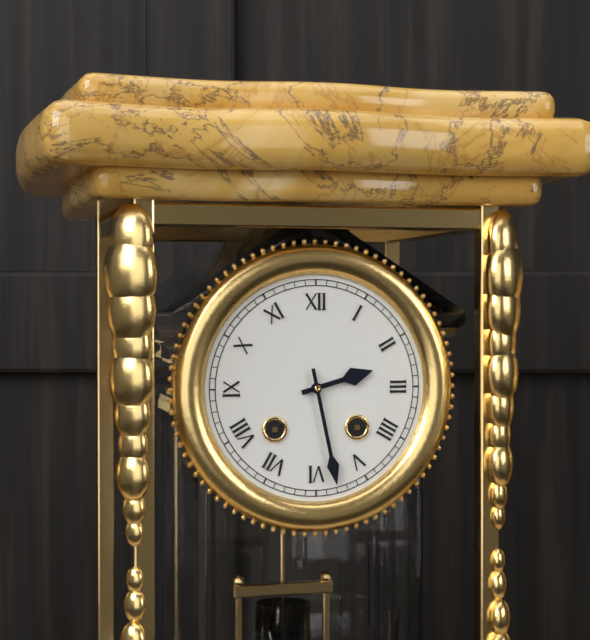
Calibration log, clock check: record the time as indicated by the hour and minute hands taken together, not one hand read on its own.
2:28
